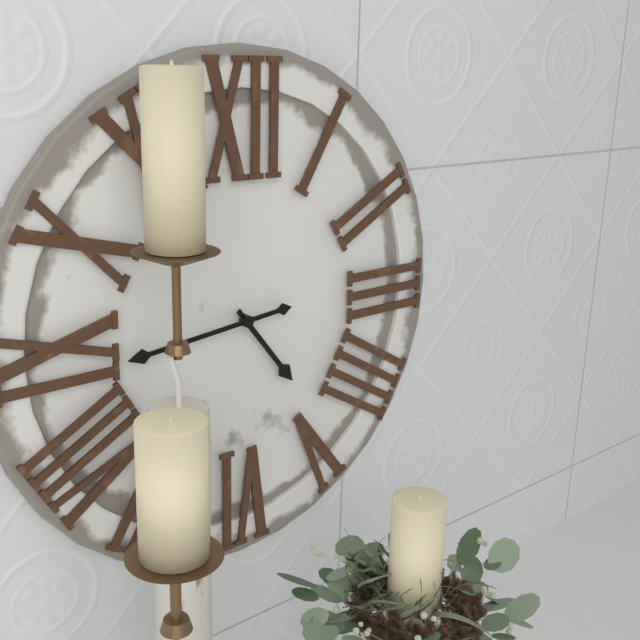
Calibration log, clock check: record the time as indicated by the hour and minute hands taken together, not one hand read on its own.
4:44
